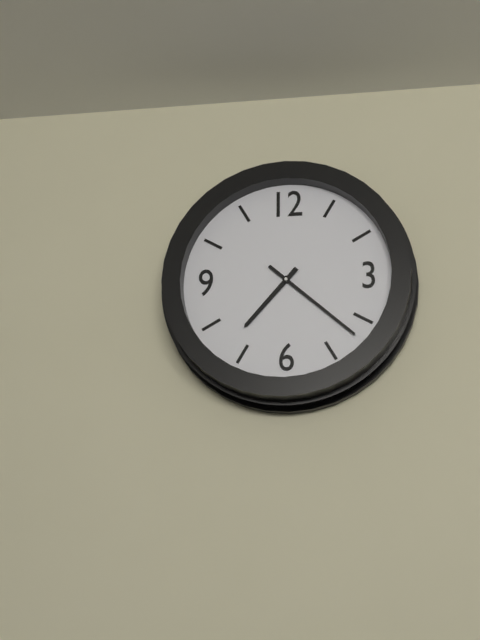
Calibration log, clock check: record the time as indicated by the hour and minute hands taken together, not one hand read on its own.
7:22
